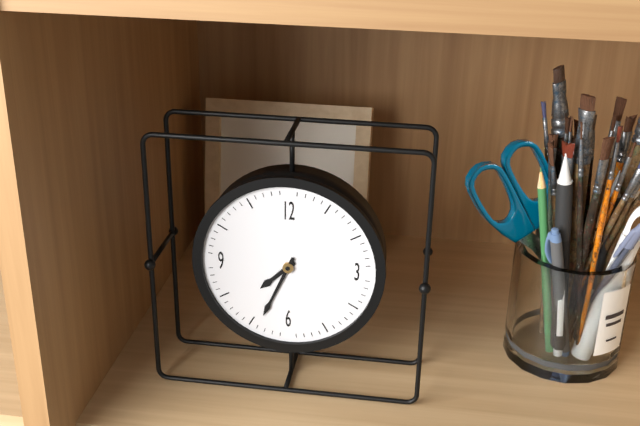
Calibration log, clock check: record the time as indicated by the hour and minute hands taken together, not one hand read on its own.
7:34
